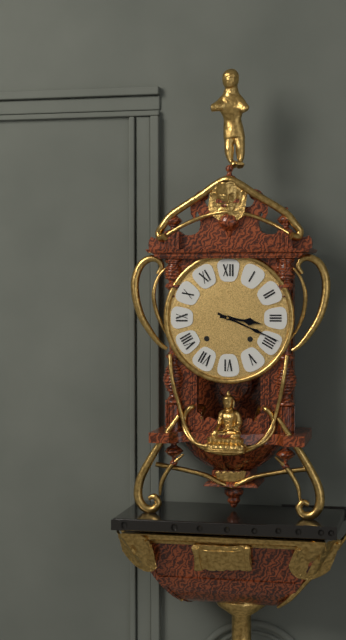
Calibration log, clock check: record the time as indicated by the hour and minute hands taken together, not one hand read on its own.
3:19
